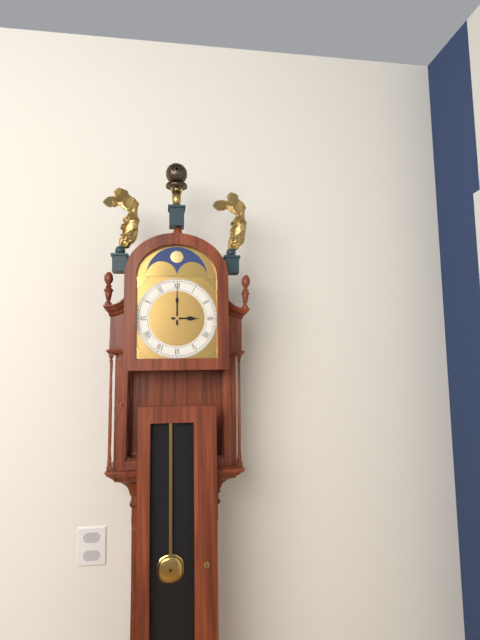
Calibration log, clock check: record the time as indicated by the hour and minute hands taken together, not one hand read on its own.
3:00
